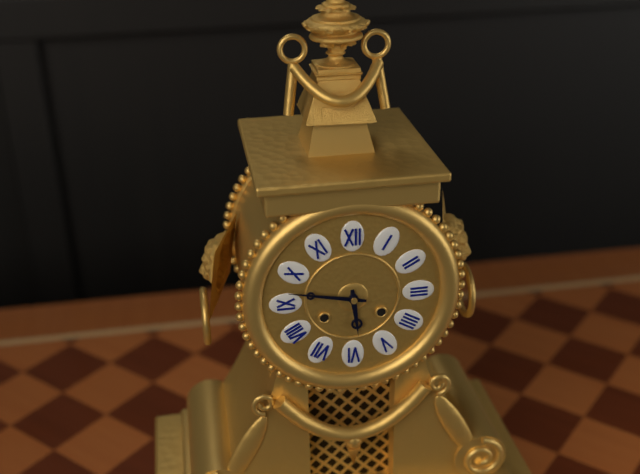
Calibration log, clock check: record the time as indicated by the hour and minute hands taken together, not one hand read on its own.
5:47
